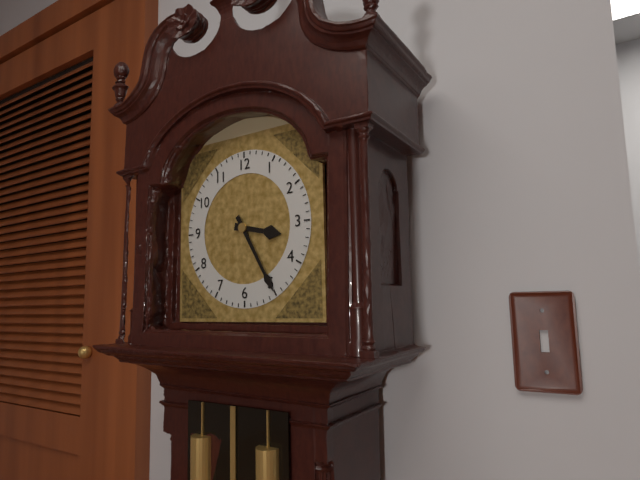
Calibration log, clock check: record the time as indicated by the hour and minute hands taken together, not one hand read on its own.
3:25
